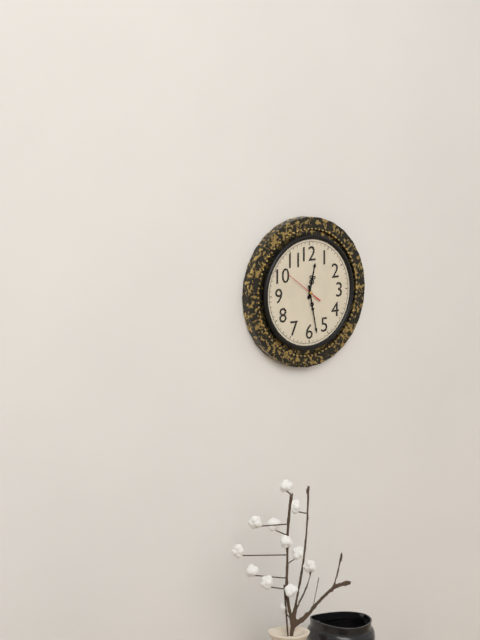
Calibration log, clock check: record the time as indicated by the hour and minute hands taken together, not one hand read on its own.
12:28
